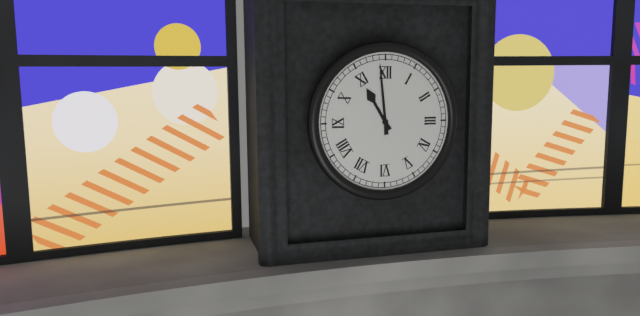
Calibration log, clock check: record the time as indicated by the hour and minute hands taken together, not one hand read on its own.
10:59
